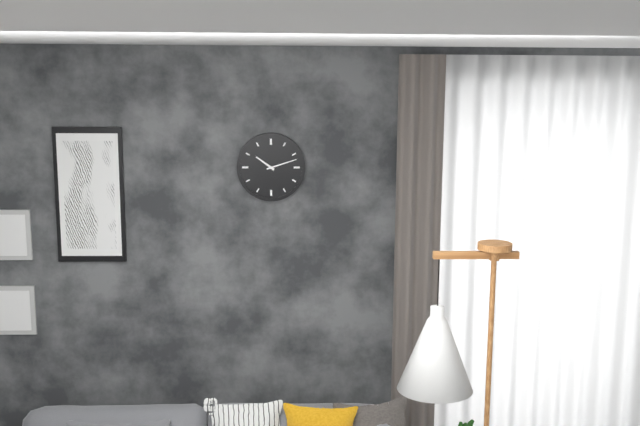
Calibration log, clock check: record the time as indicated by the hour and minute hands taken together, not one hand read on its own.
10:12
